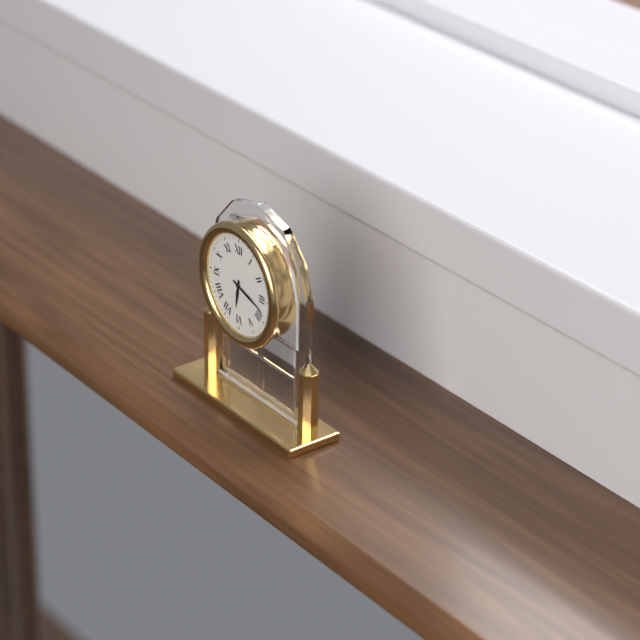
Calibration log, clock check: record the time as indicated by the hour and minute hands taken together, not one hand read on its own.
6:18
